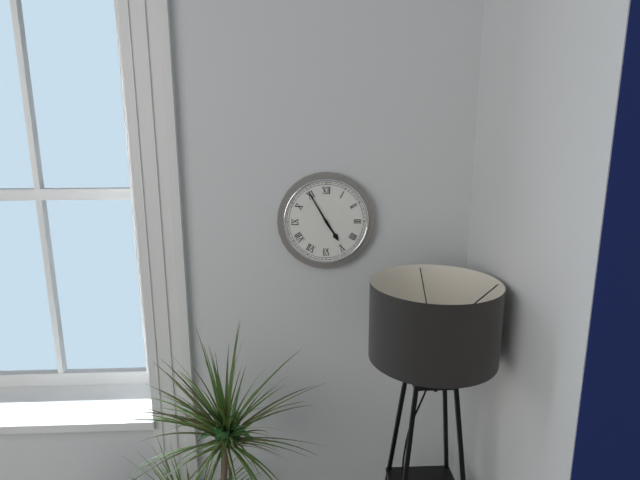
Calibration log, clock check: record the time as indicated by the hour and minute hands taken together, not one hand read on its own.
4:55
